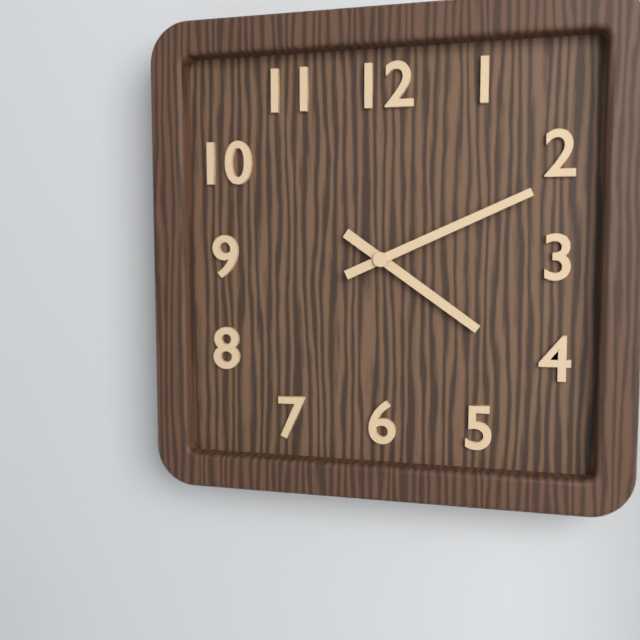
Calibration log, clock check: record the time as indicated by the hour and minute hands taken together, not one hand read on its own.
4:11
